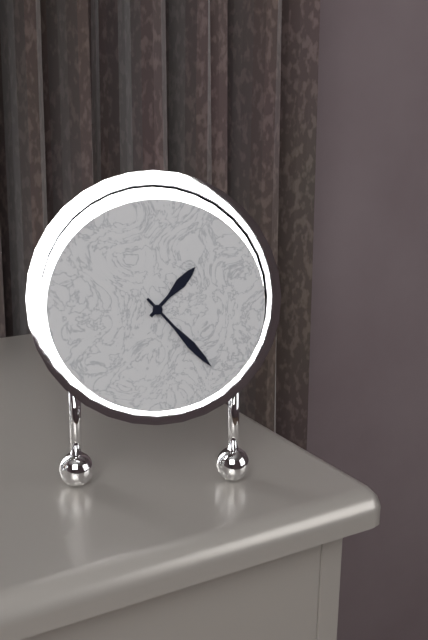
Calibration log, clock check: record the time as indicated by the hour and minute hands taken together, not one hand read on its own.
1:23
